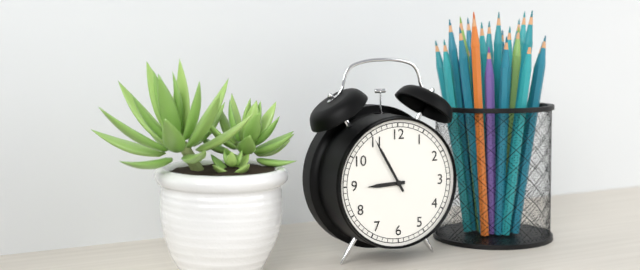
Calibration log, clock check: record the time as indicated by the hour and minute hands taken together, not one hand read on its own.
8:55
